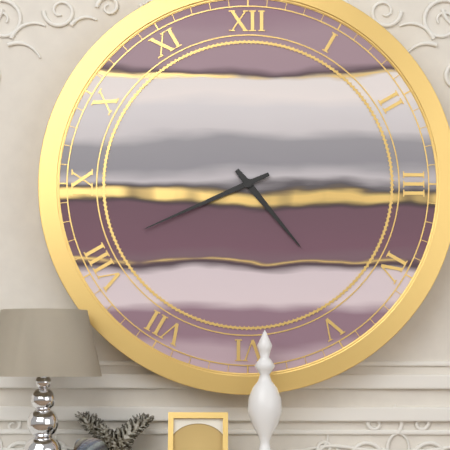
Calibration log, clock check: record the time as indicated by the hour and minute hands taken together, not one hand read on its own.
4:41
